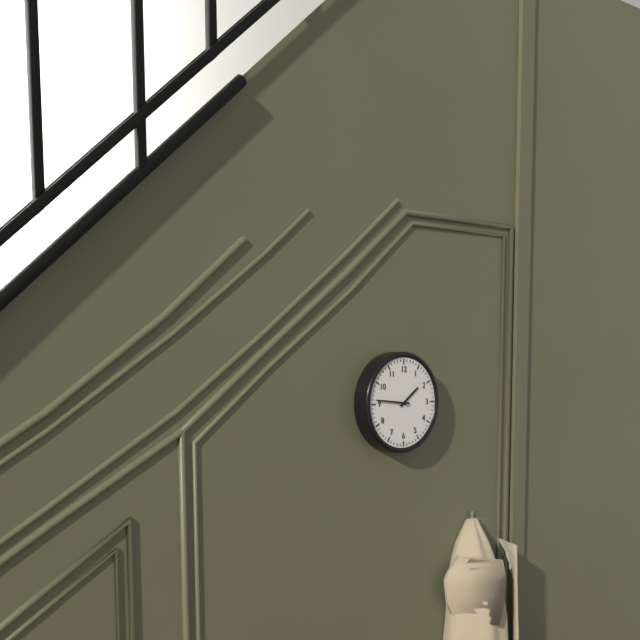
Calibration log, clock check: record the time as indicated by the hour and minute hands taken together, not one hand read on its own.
1:46
